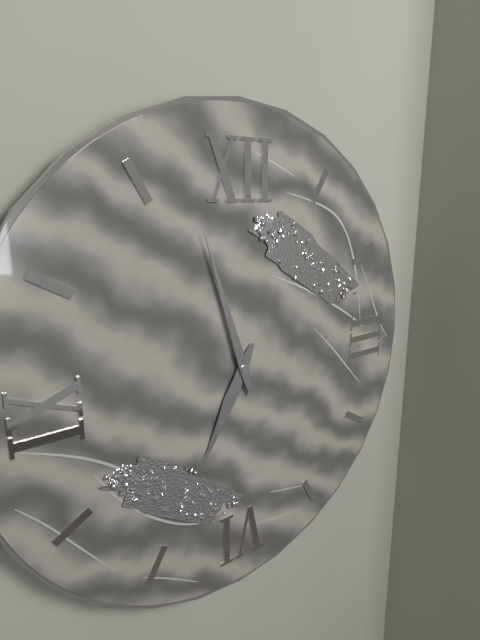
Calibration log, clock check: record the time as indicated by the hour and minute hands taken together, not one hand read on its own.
6:57
